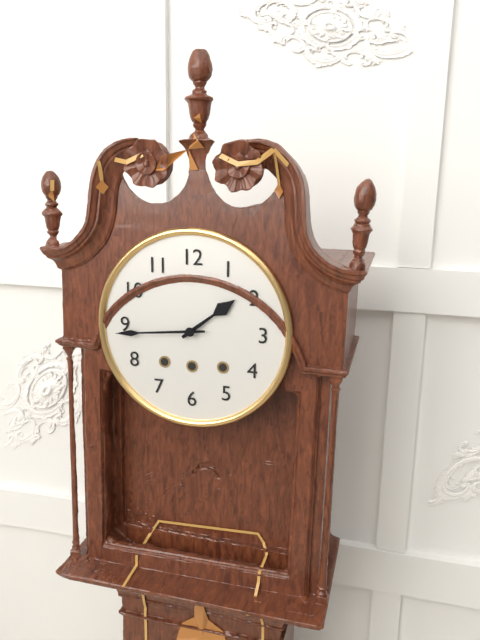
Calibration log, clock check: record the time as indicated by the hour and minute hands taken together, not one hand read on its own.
1:44
